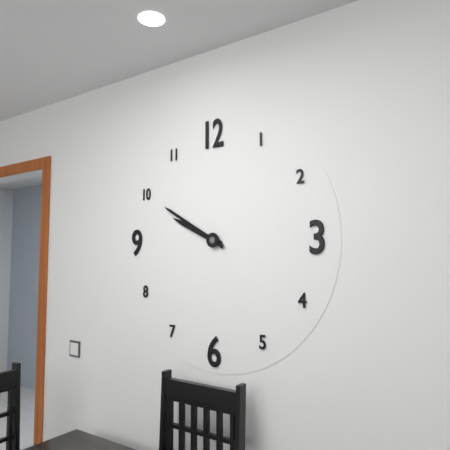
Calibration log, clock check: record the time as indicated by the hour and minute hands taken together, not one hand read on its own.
9:50
